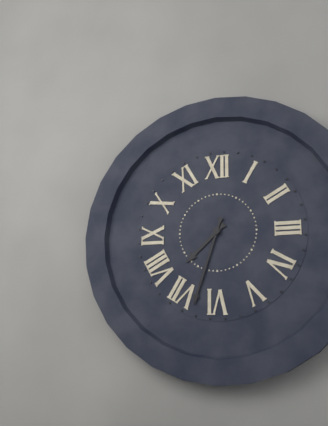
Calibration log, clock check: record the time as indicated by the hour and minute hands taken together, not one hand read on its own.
7:33
